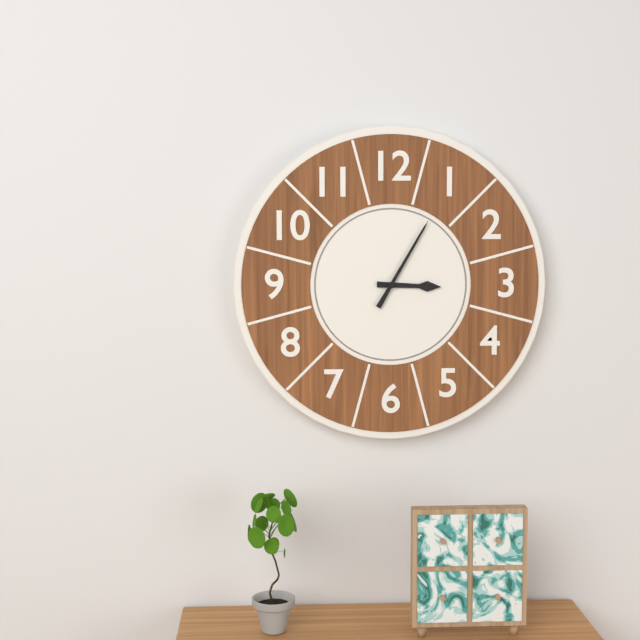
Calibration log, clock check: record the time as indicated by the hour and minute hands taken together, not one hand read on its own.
3:05
